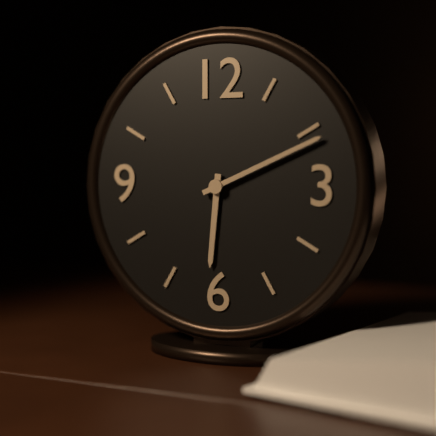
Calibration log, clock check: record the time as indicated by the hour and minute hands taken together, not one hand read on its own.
6:11
